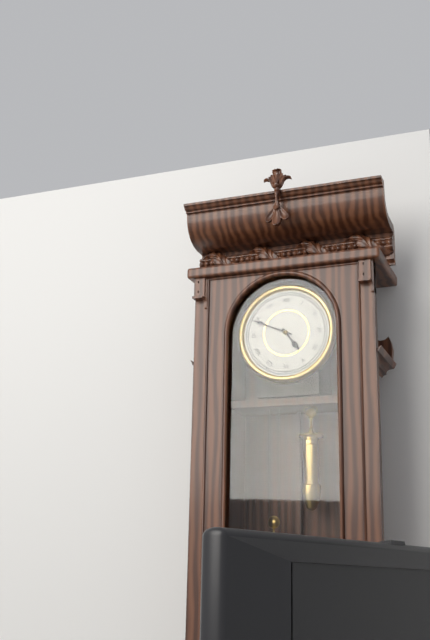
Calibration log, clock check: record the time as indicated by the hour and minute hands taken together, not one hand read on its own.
4:49
